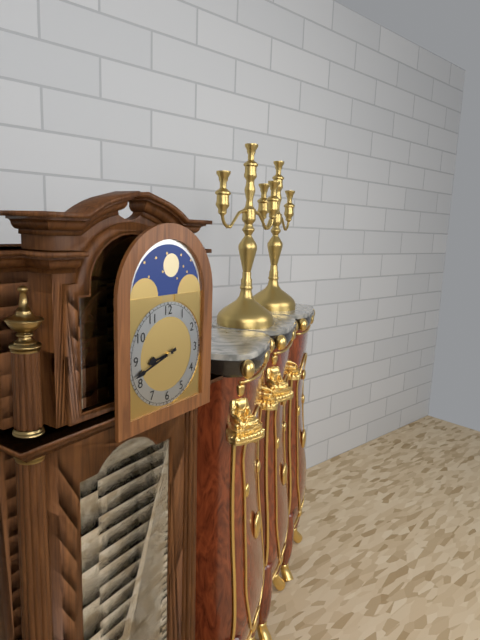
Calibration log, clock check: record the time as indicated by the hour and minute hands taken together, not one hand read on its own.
8:42
